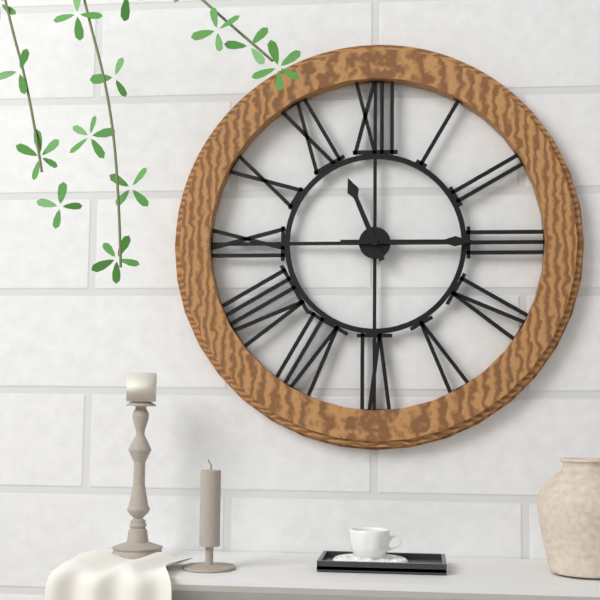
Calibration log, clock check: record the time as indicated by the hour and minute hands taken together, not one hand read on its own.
11:15
